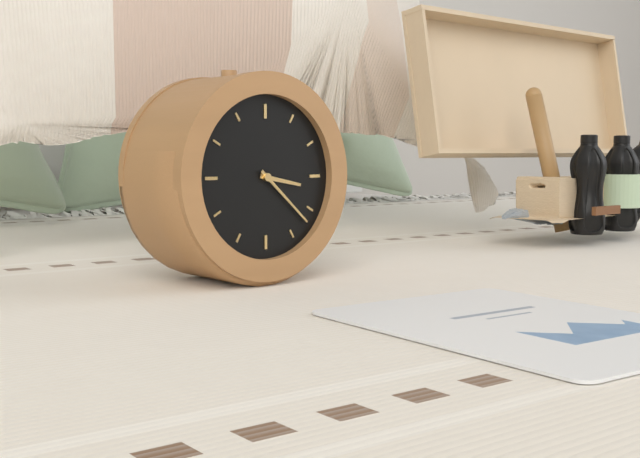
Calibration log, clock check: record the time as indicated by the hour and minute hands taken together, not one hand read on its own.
3:22
